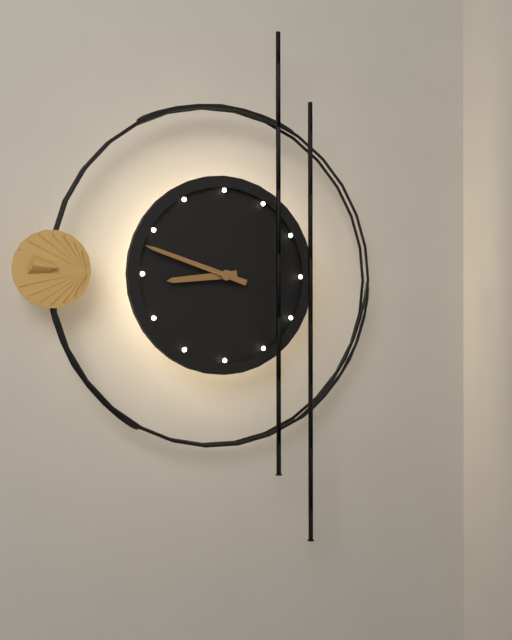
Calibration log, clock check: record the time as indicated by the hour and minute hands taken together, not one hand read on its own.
8:48
